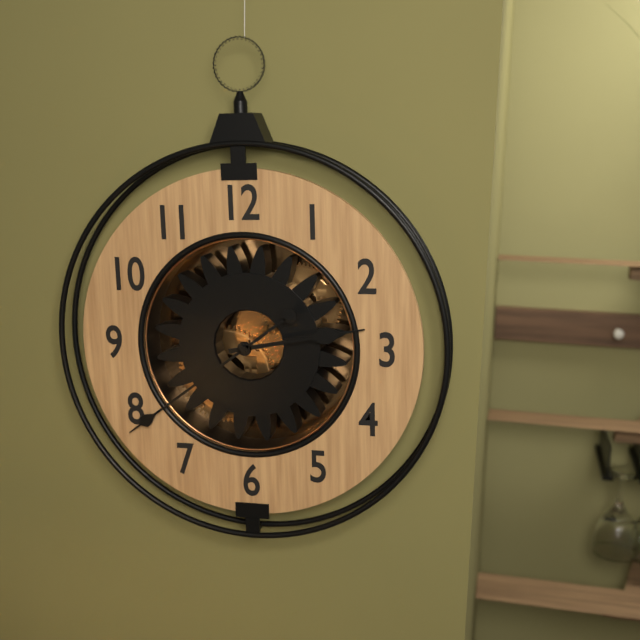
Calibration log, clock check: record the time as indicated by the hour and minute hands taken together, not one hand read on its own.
2:39
